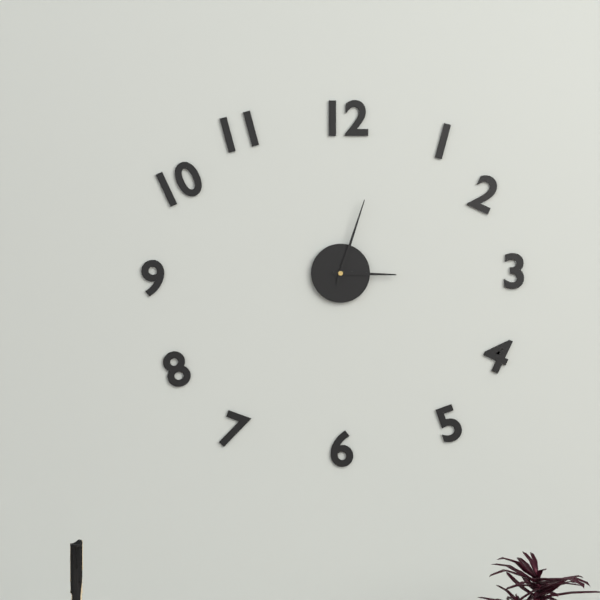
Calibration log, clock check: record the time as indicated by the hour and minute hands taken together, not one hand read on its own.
3:03
